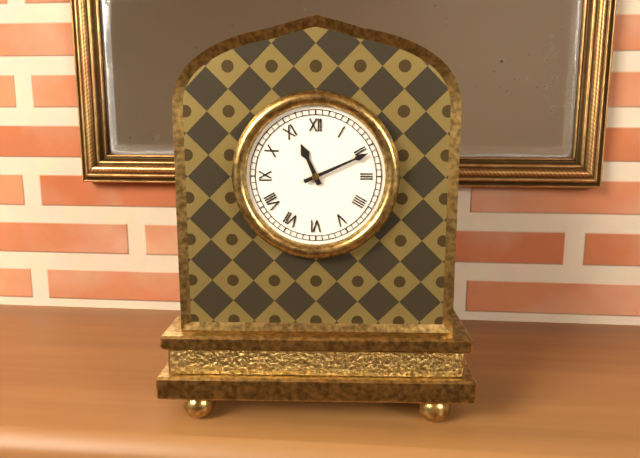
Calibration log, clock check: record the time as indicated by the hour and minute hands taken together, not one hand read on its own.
11:11
